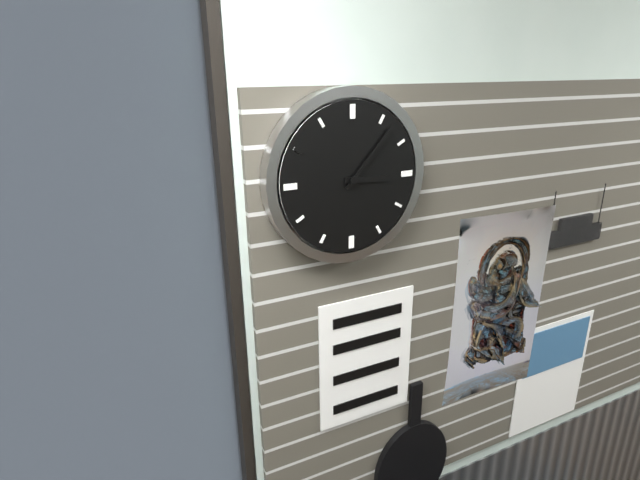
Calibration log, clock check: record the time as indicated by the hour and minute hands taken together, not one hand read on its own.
3:07
